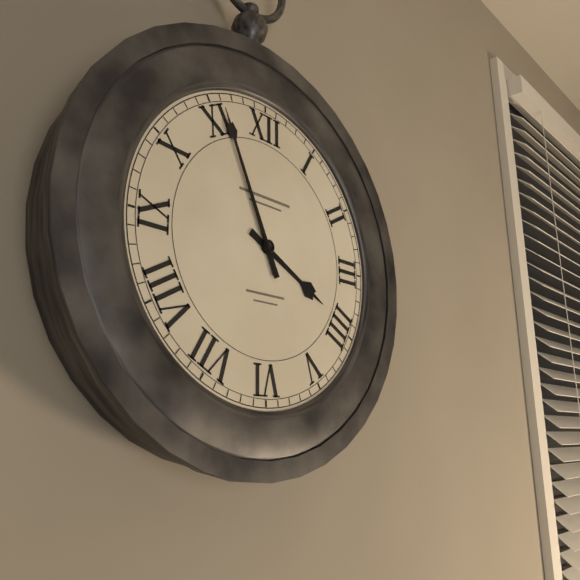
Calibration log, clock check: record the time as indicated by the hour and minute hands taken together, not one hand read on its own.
3:56
